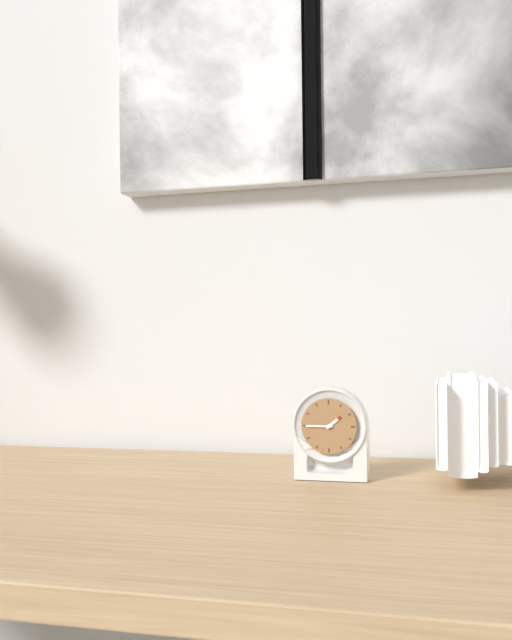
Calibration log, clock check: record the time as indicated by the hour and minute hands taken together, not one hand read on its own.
1:45
